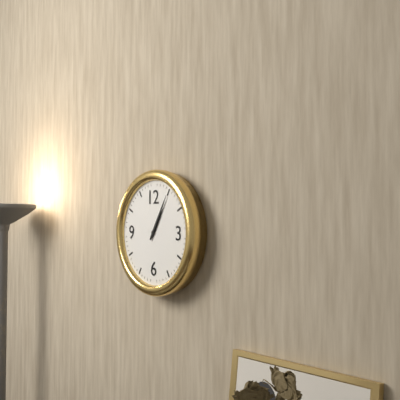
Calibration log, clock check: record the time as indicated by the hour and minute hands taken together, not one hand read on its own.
1:05
